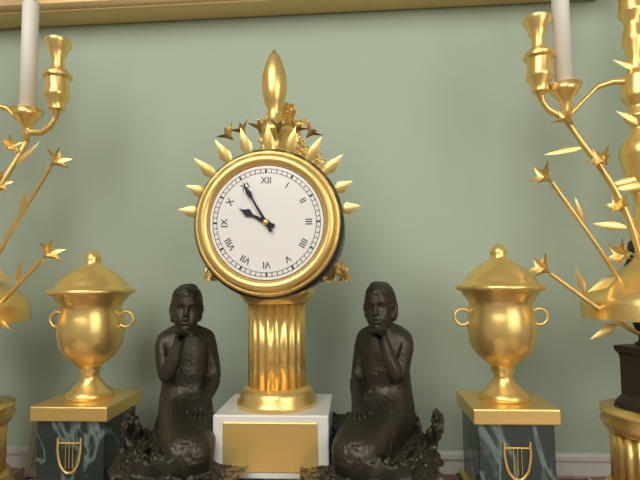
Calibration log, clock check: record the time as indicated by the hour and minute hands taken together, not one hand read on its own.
9:55
